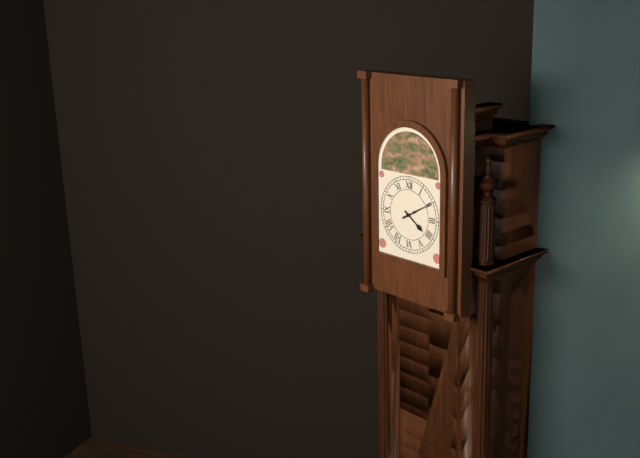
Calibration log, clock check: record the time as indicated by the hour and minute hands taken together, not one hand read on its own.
4:10
